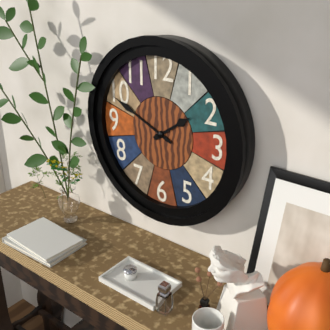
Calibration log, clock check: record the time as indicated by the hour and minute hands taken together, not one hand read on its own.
1:49
